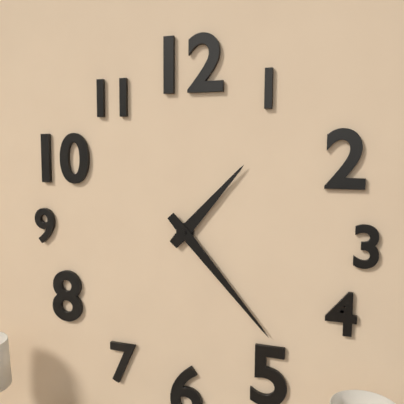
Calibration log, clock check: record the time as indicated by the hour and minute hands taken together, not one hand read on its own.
1:23
